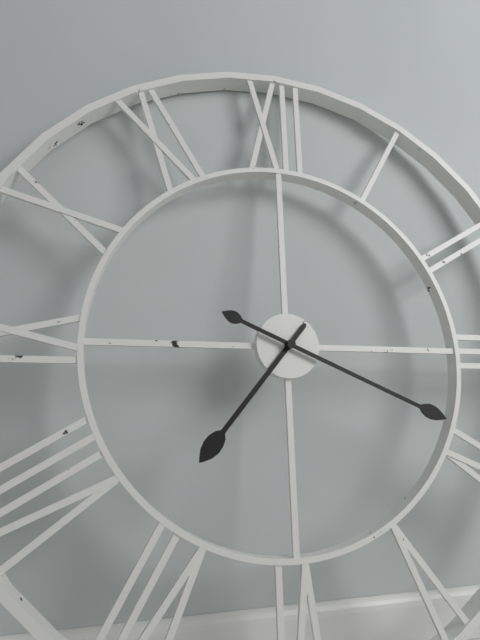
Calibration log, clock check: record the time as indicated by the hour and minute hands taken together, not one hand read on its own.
7:19
